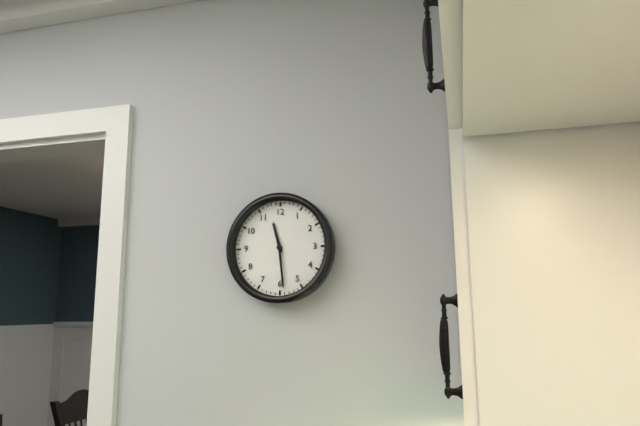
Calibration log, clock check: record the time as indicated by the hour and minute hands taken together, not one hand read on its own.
11:29
